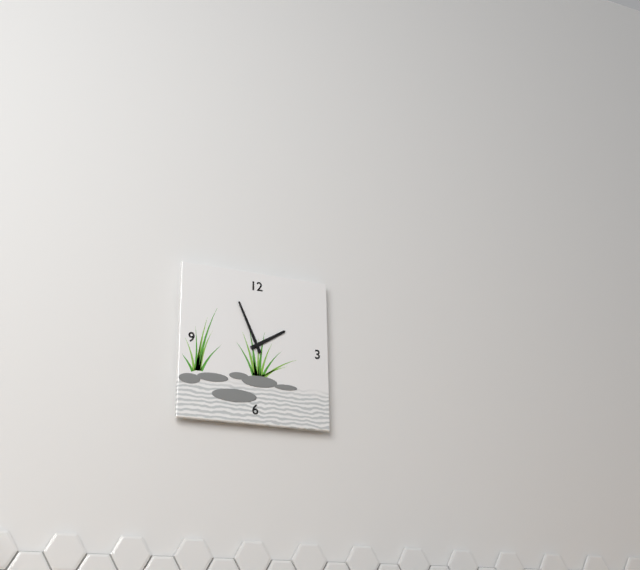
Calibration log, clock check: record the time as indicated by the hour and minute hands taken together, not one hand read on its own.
1:56
